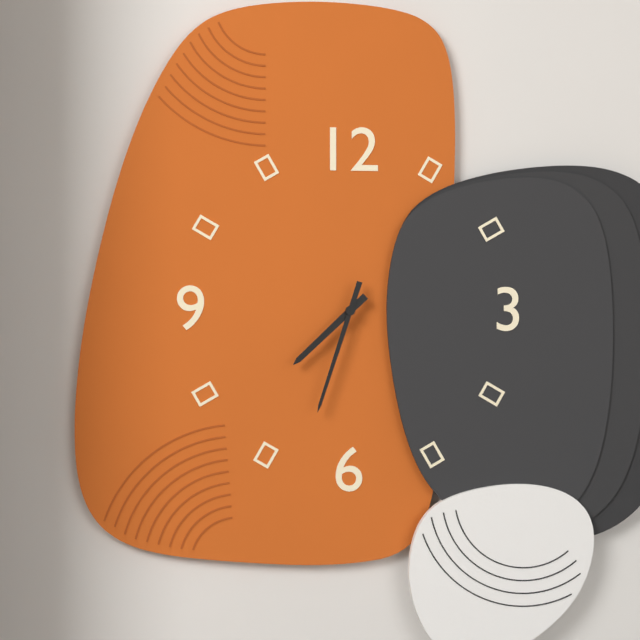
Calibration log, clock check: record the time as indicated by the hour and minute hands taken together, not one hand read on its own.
7:33
